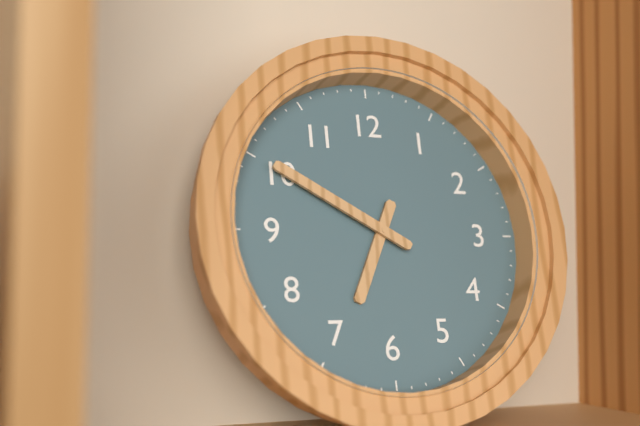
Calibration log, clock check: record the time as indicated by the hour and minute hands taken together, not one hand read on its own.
6:50
